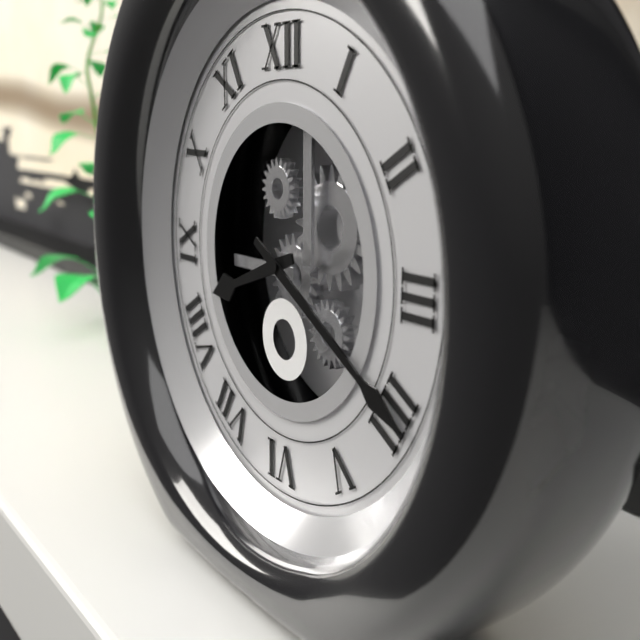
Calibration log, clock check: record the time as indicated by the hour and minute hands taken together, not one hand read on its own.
8:20
